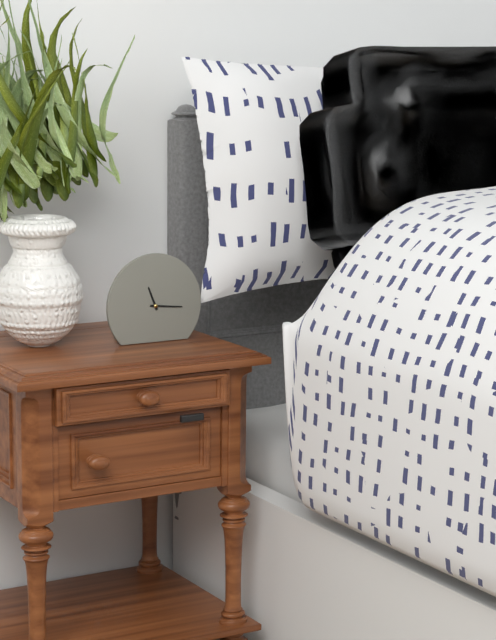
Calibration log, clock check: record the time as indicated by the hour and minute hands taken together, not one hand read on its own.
11:16
